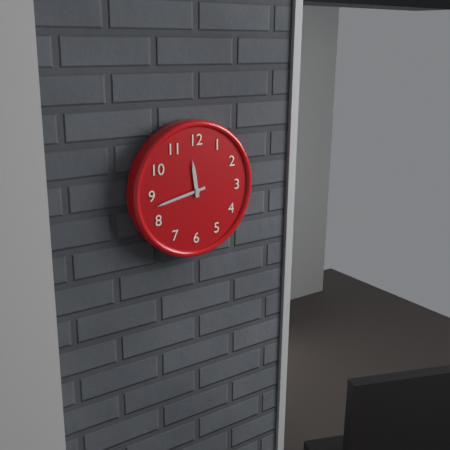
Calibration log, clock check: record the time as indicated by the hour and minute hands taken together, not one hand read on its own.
11:43
